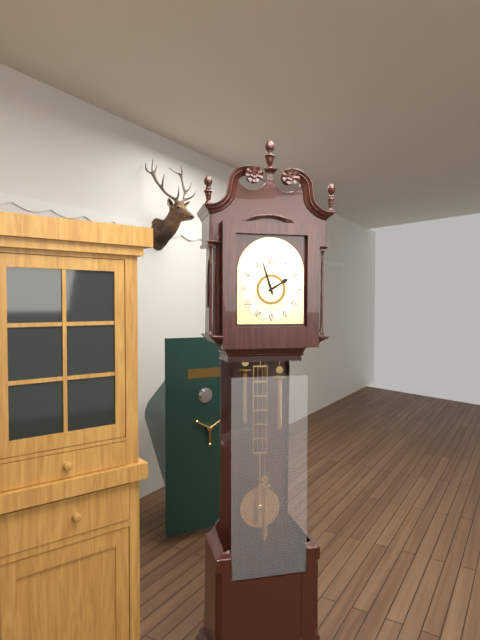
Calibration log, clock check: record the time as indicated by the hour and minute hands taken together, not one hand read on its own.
1:57
